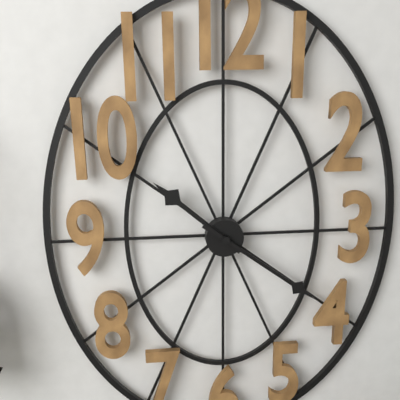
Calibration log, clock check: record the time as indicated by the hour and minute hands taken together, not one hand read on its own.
10:21
